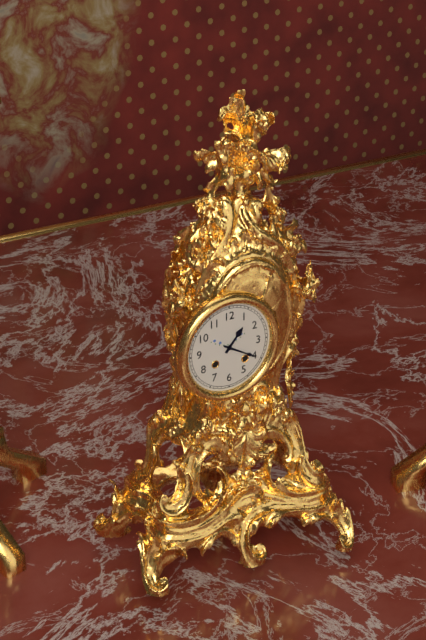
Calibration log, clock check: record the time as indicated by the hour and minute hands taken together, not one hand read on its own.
1:20
